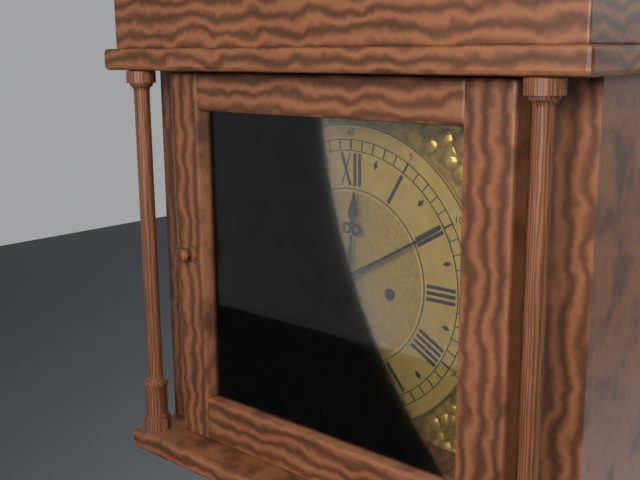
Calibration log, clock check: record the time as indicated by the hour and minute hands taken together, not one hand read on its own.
12:10
